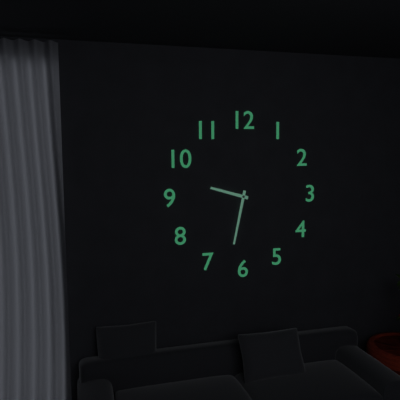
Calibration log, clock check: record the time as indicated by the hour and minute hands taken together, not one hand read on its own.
9:32
